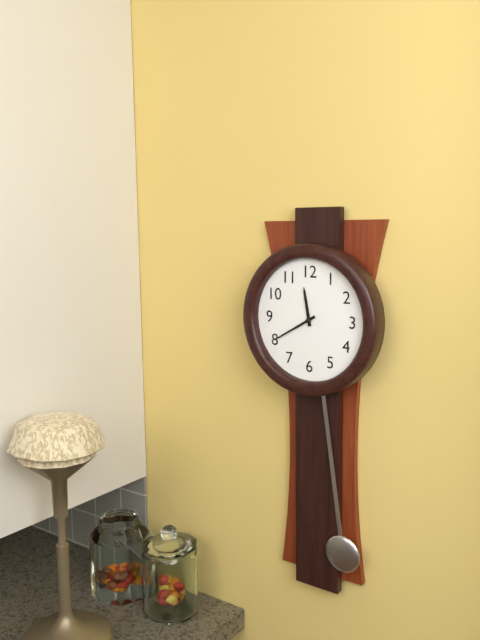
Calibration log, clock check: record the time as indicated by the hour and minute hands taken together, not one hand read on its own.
11:40
